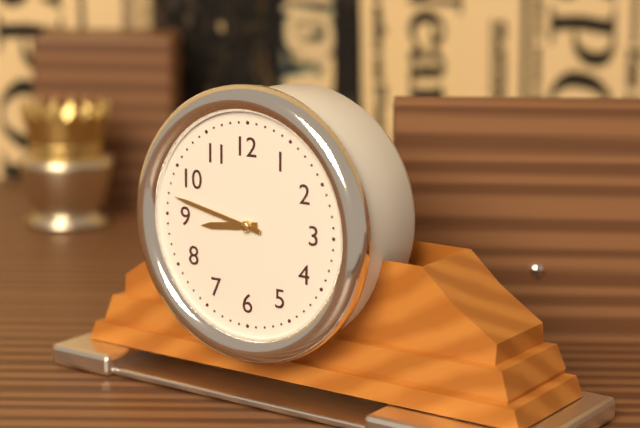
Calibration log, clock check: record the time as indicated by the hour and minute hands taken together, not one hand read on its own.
8:47
